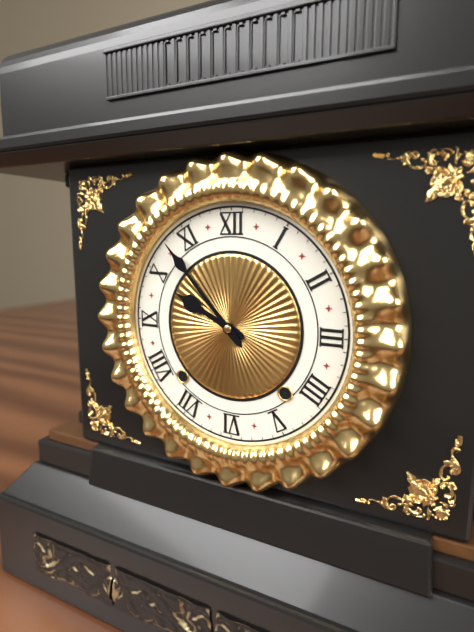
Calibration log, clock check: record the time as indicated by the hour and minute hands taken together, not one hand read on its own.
9:53
